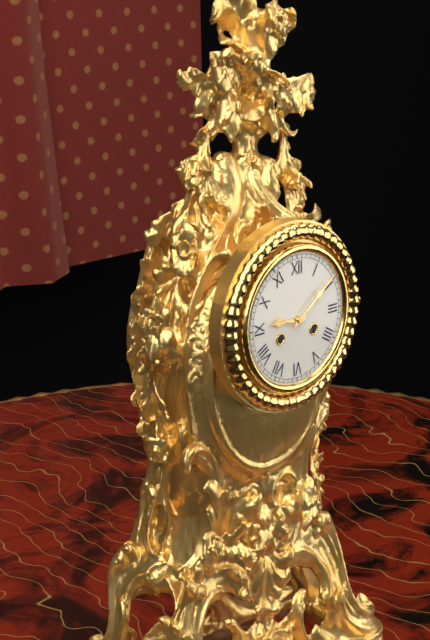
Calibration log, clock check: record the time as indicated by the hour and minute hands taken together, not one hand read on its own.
9:09
